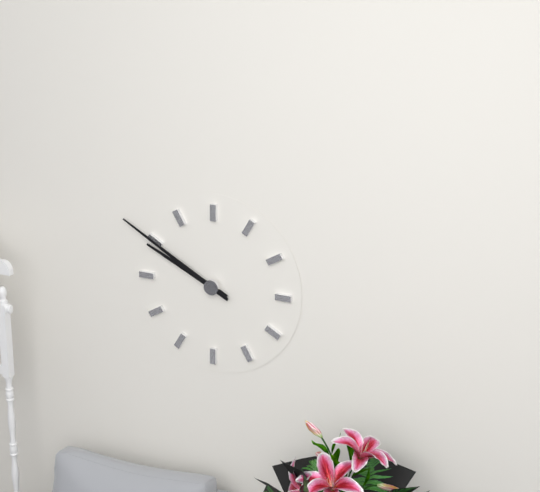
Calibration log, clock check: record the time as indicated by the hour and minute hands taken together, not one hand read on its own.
9:50
